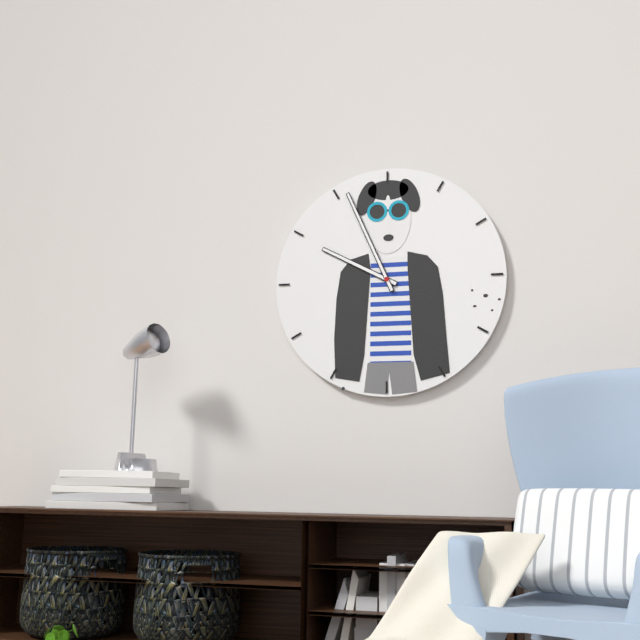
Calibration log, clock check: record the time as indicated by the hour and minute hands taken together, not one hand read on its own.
9:56
